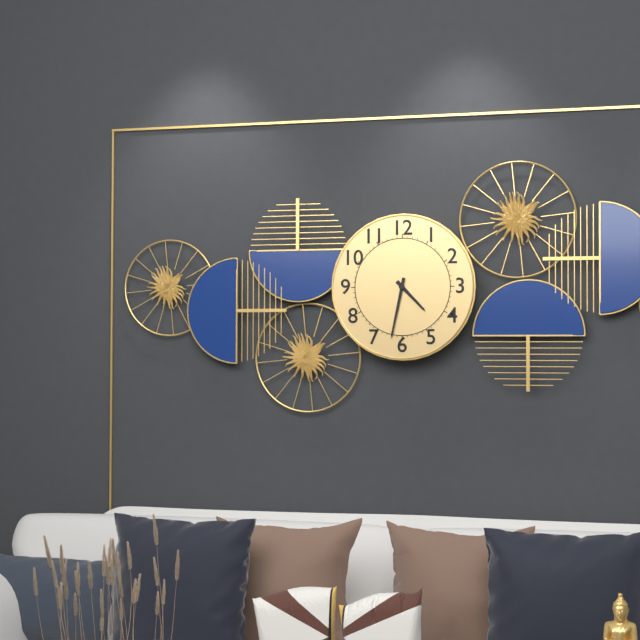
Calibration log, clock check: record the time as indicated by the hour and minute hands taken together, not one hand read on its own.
4:32
